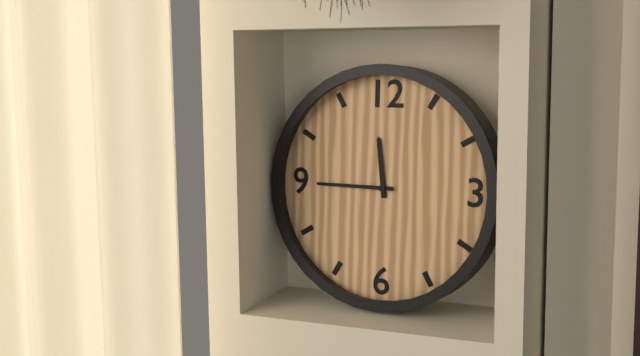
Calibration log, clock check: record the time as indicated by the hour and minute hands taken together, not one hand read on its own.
11:45
